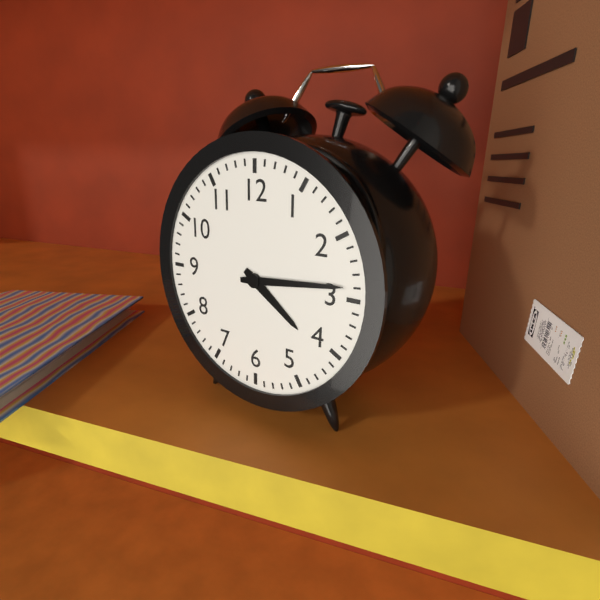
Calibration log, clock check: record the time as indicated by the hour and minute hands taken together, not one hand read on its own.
4:14
